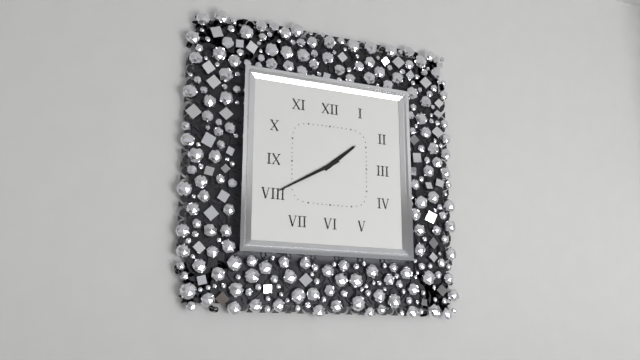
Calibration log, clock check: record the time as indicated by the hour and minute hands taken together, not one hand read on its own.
1:40
